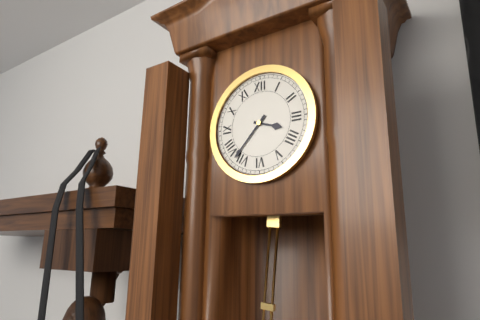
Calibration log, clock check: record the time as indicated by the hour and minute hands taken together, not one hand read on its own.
3:37
